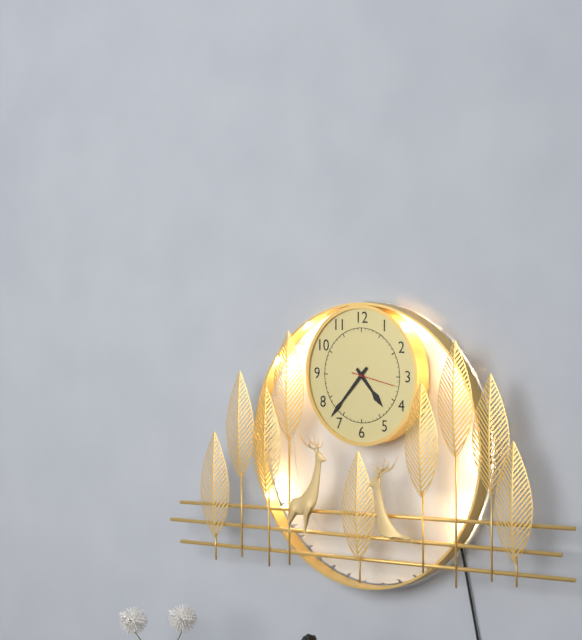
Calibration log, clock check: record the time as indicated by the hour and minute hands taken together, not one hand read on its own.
4:37
